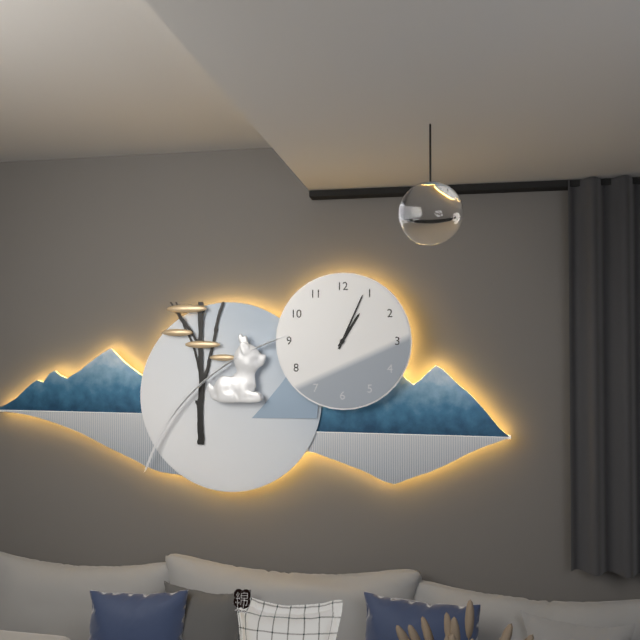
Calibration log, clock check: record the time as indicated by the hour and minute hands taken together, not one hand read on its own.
1:04
